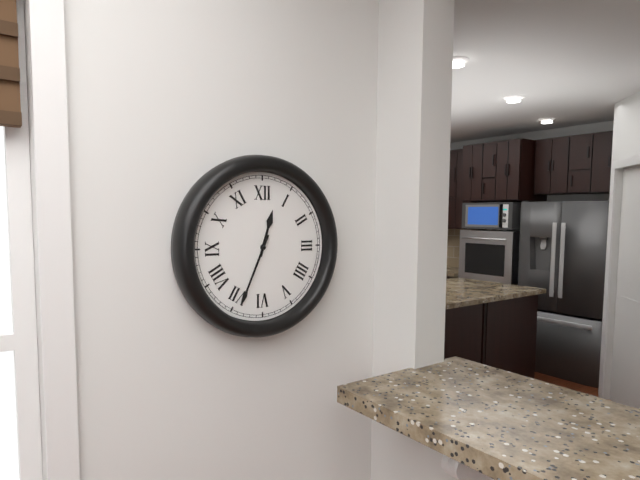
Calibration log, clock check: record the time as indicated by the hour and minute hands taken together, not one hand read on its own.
12:34
